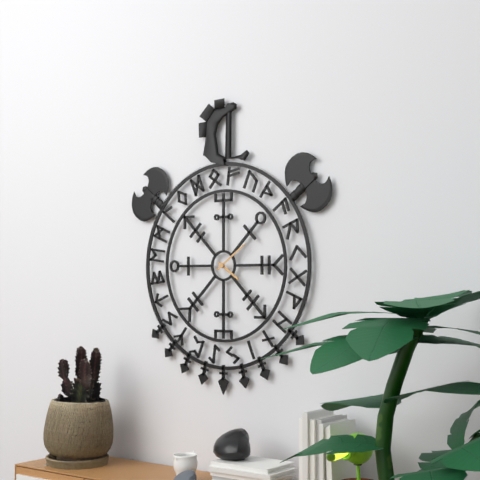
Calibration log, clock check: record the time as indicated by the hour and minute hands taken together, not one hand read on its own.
4:09
